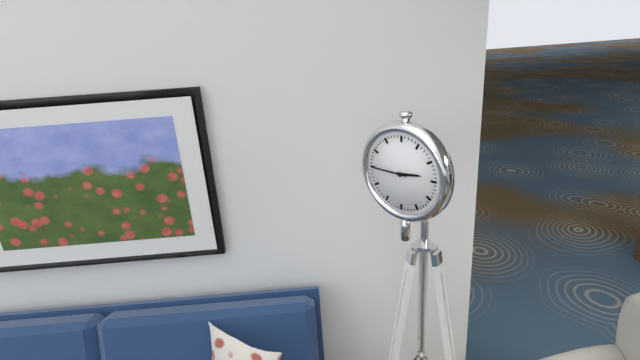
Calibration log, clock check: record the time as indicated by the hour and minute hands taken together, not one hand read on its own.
2:45
